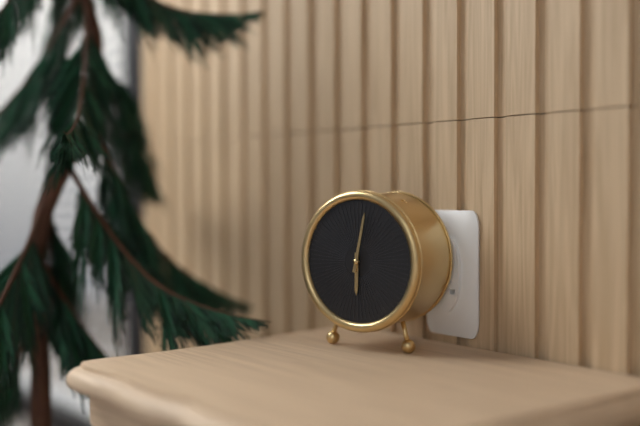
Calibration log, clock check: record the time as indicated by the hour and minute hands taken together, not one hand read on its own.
6:02
